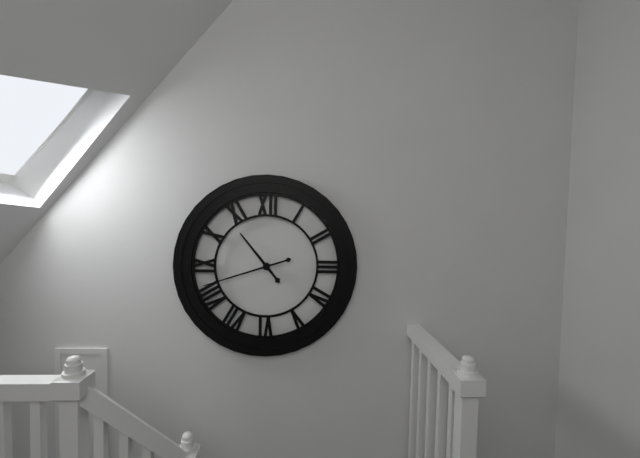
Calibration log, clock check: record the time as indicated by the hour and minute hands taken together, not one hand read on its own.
10:42
